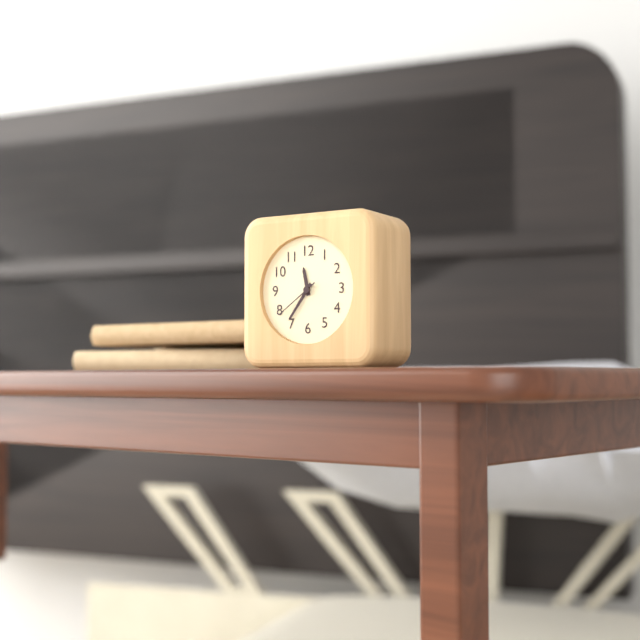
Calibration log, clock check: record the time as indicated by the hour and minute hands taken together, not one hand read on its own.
11:36
